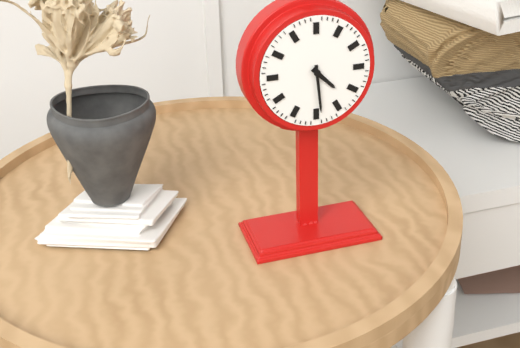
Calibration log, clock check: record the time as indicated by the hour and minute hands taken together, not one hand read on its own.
4:29
